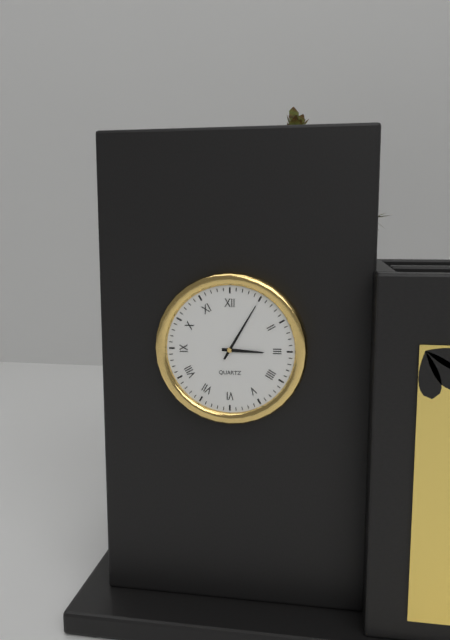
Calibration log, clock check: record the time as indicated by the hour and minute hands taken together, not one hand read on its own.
3:05
